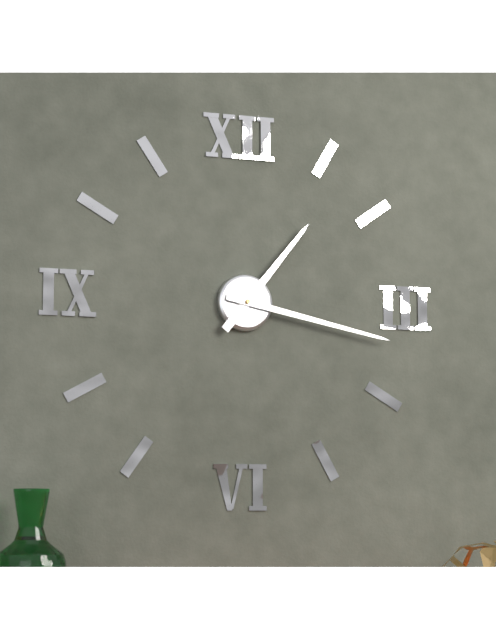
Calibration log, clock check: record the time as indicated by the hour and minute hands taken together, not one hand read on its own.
1:17
